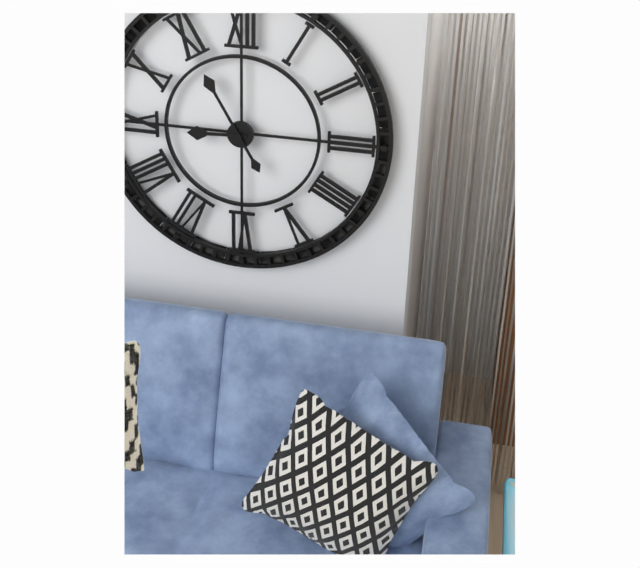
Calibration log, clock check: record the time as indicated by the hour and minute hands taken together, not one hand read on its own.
8:55
